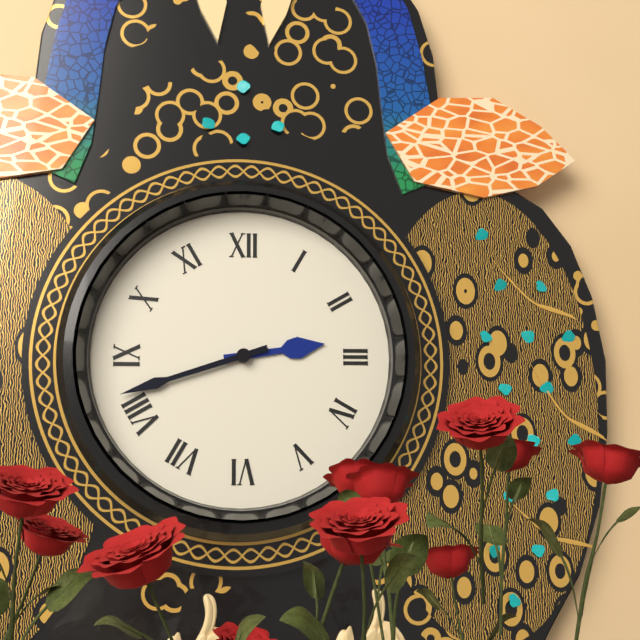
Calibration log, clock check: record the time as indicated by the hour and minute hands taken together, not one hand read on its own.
2:42
